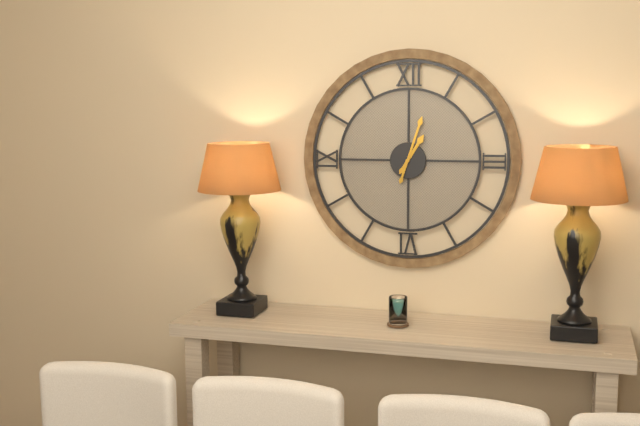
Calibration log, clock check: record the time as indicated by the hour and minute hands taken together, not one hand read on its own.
1:03
